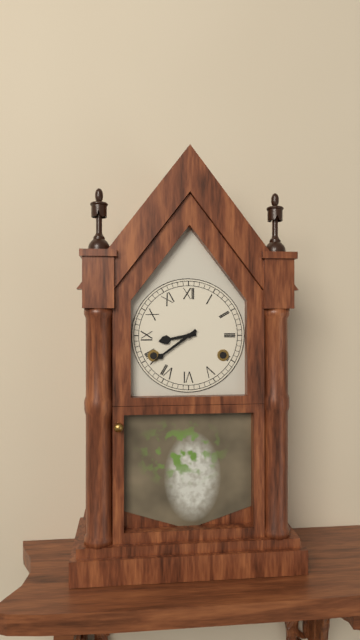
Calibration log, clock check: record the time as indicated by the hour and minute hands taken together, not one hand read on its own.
8:39
